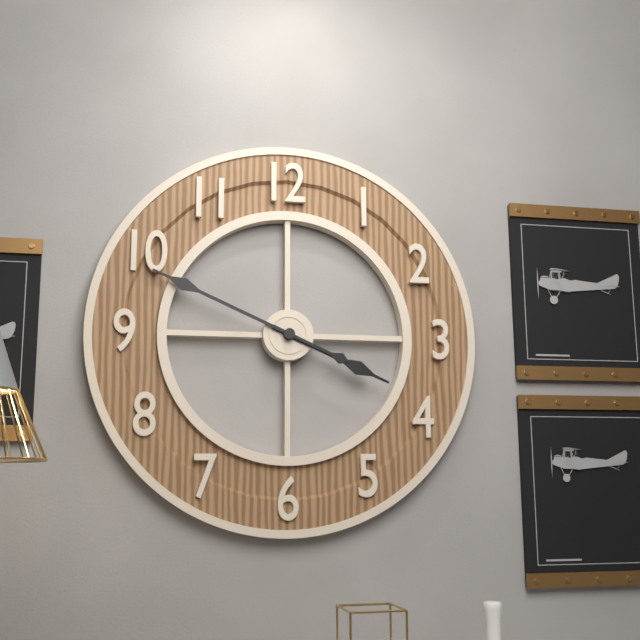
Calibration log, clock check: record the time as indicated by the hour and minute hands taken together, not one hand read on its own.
3:49
